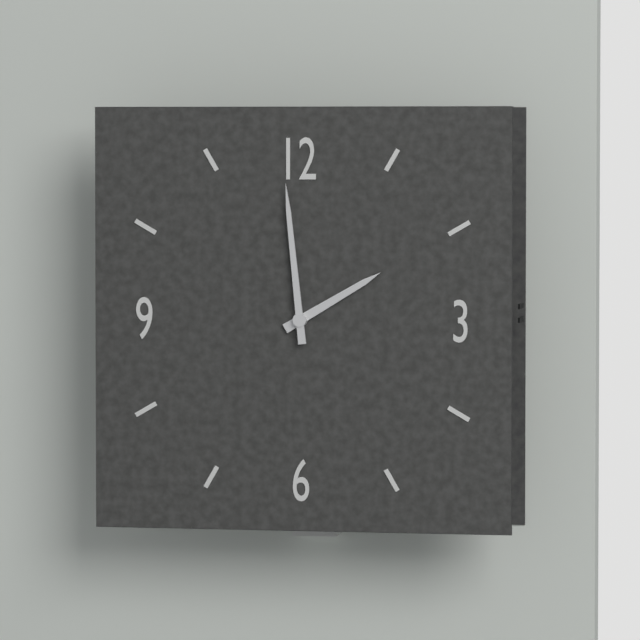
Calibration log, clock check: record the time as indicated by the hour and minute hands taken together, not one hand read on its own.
1:59
